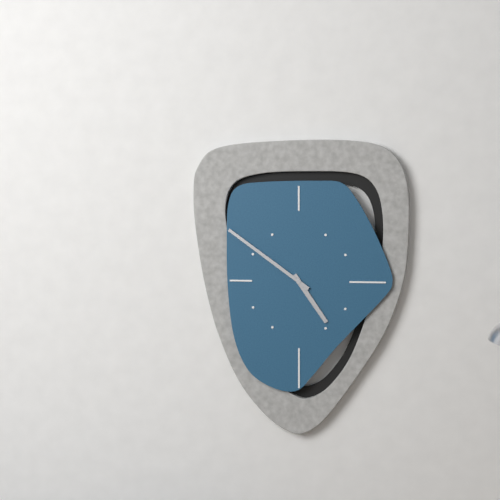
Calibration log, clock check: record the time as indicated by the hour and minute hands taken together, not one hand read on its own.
4:51
